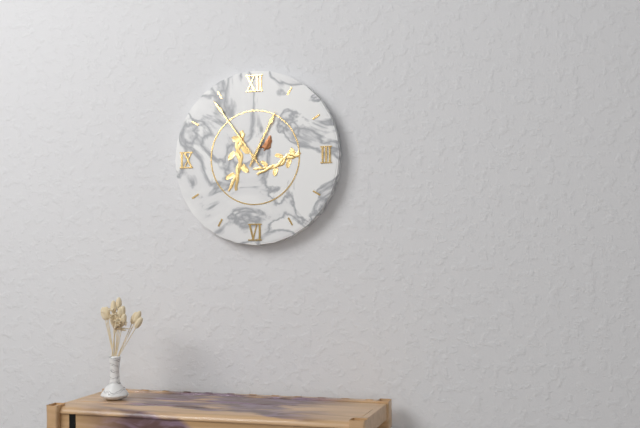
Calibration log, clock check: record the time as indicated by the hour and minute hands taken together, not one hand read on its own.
12:54
